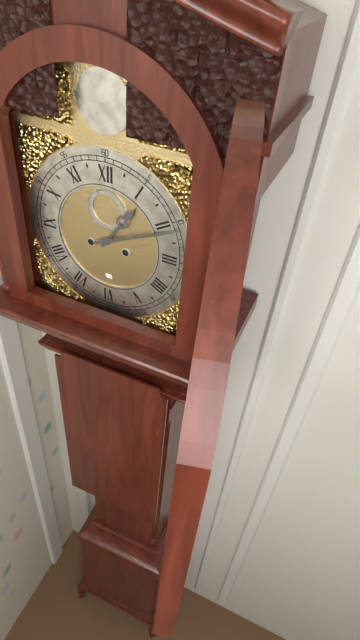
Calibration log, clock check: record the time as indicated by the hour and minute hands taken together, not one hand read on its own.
1:11
